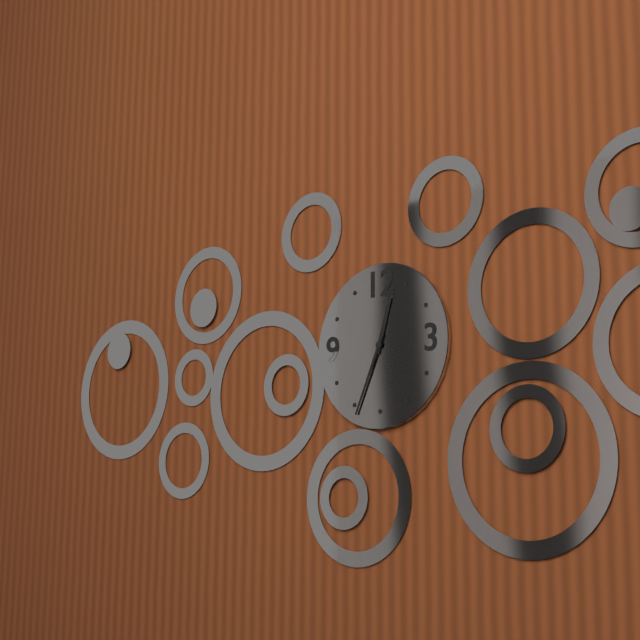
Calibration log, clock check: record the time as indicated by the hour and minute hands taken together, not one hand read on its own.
12:34
